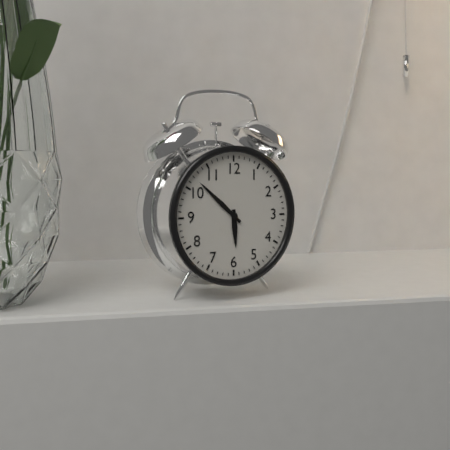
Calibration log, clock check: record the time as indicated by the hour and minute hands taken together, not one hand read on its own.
5:52
